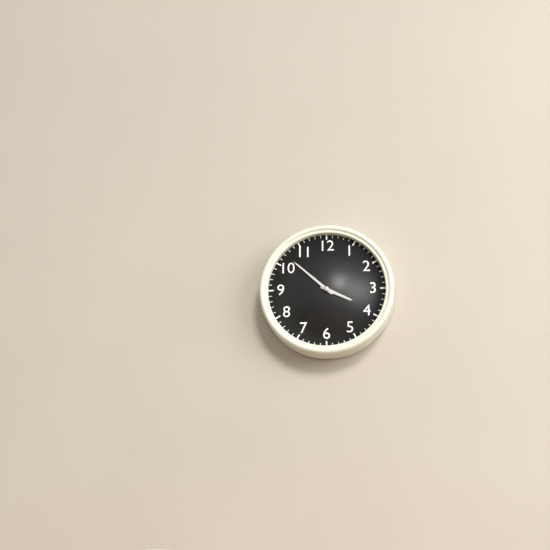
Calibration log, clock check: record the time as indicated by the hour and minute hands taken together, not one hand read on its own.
3:52
